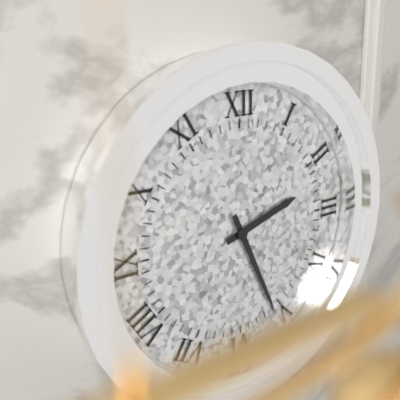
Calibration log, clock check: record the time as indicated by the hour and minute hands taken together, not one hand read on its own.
2:26
